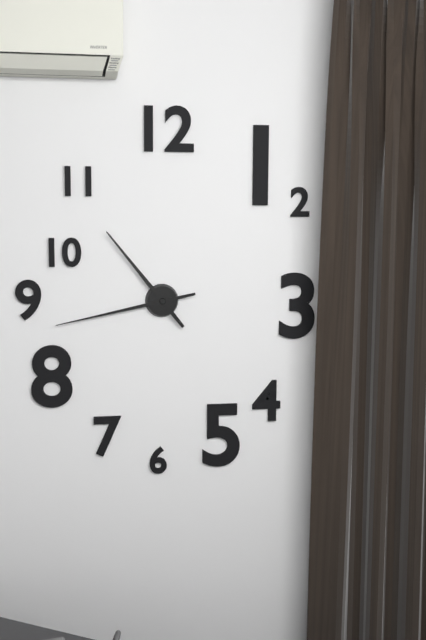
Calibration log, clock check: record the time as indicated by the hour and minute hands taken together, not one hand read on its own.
10:43
